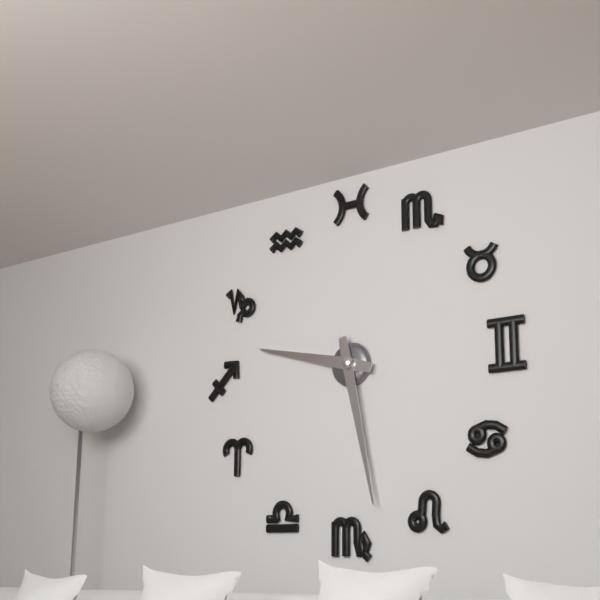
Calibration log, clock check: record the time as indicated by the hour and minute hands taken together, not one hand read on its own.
9:28
